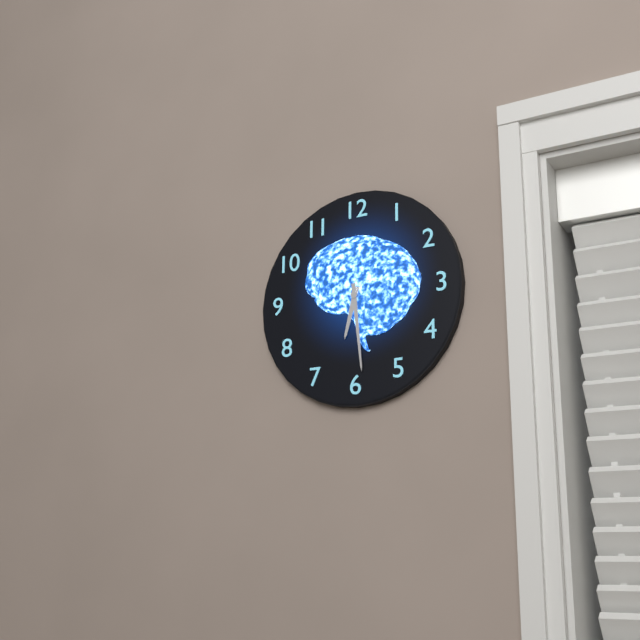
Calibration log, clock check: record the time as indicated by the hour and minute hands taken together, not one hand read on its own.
6:29
